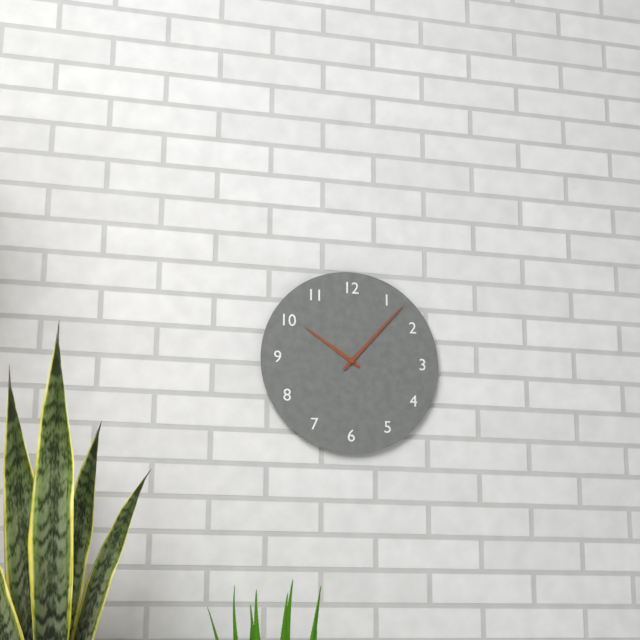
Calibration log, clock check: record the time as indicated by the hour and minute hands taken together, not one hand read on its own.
10:07
